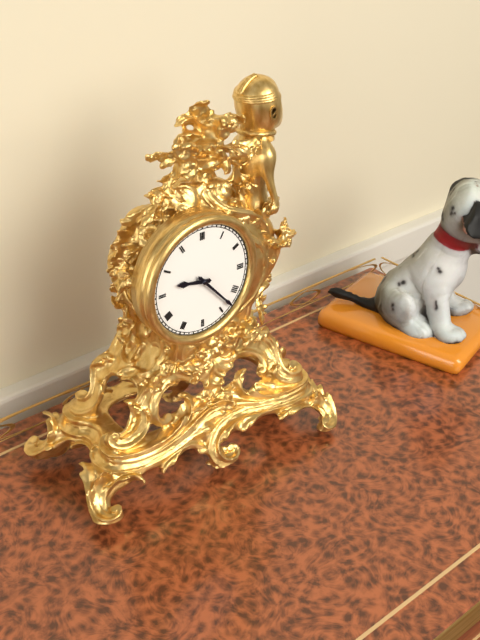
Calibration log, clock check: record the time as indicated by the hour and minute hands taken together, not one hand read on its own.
9:23
